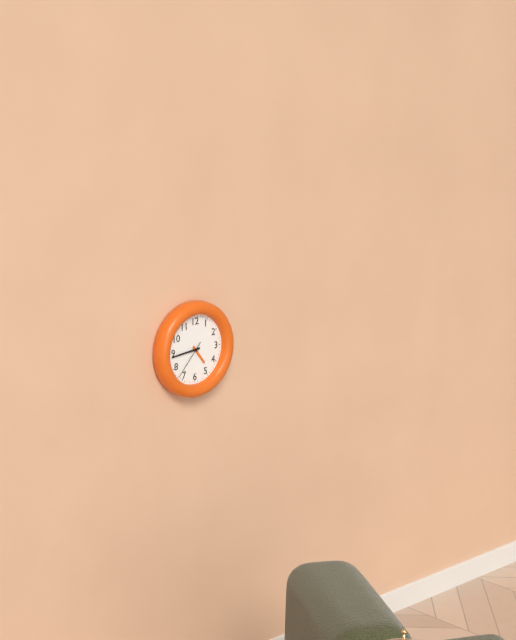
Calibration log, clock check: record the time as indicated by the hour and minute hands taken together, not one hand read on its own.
4:44
